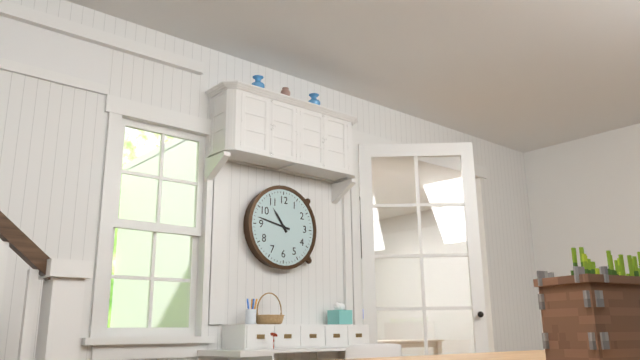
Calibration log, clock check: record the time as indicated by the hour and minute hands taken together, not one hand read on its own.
10:47
